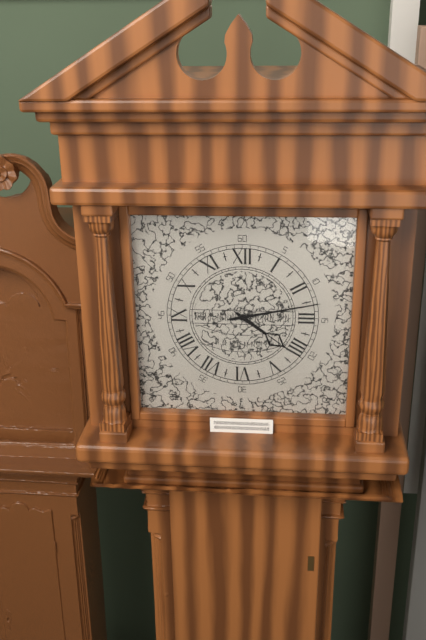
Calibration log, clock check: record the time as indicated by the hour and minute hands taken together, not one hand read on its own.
4:13
